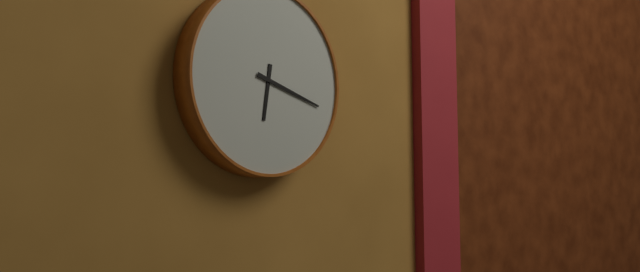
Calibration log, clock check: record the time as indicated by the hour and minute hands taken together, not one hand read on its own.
6:18
